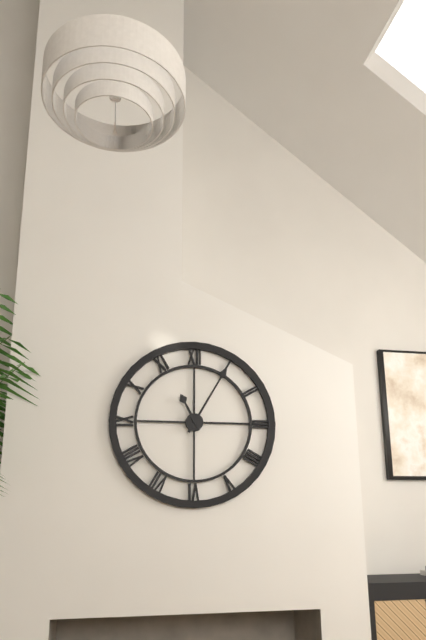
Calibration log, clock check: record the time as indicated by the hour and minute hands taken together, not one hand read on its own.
11:05
